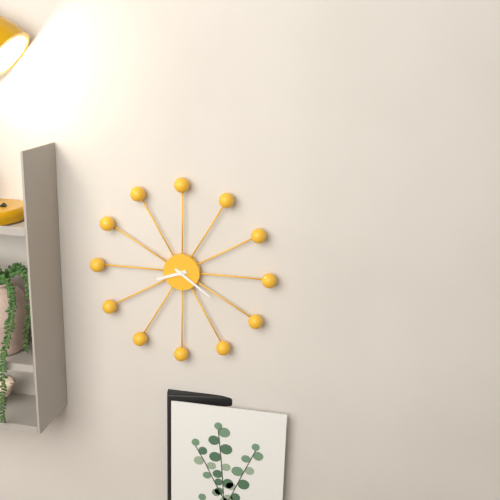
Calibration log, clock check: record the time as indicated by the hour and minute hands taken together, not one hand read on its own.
8:21
